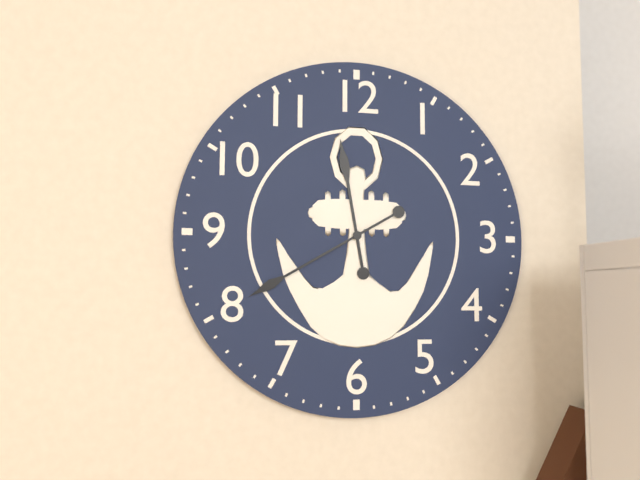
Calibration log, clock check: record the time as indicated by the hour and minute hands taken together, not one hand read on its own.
11:40
